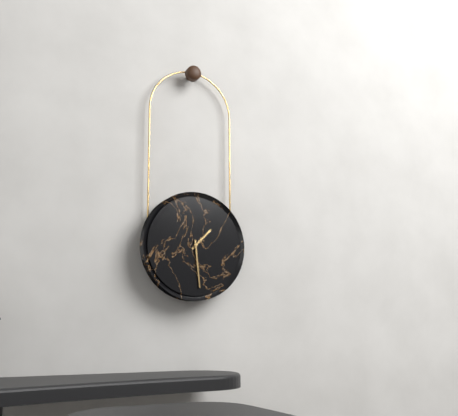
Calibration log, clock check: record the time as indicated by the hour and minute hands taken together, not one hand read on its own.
1:29
